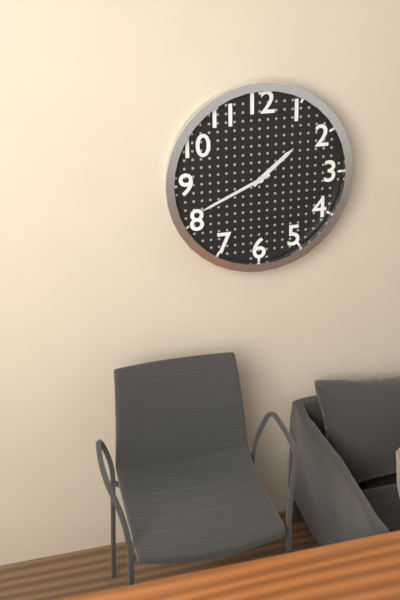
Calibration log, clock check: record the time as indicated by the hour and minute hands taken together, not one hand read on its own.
1:41
